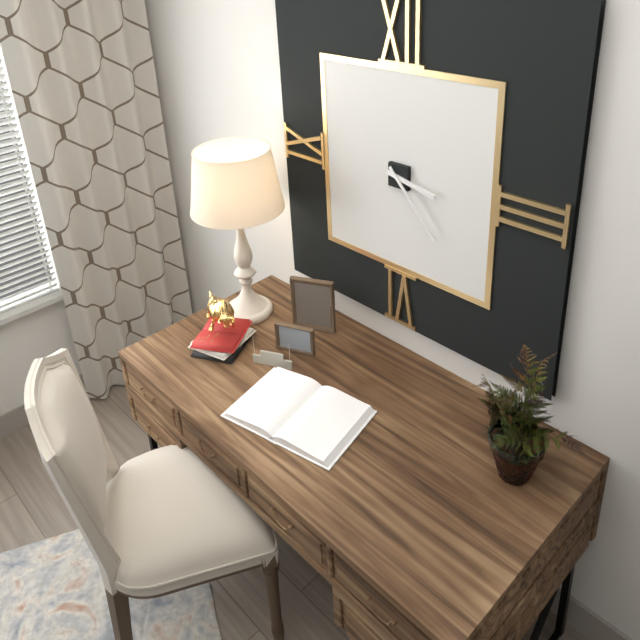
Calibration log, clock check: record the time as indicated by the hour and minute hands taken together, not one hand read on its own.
3:23
